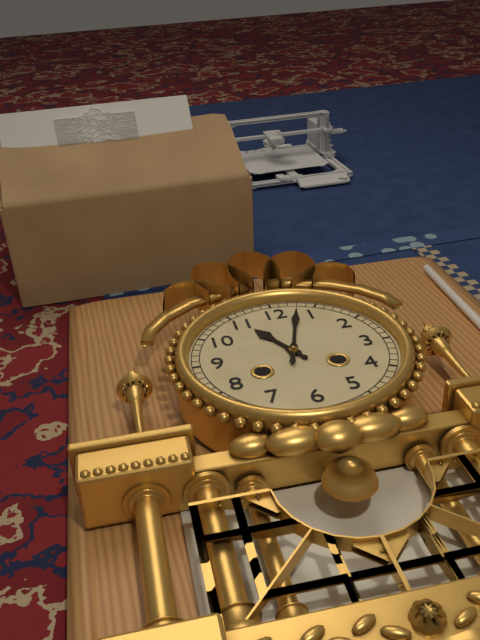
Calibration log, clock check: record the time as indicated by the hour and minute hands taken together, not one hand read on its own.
11:03
